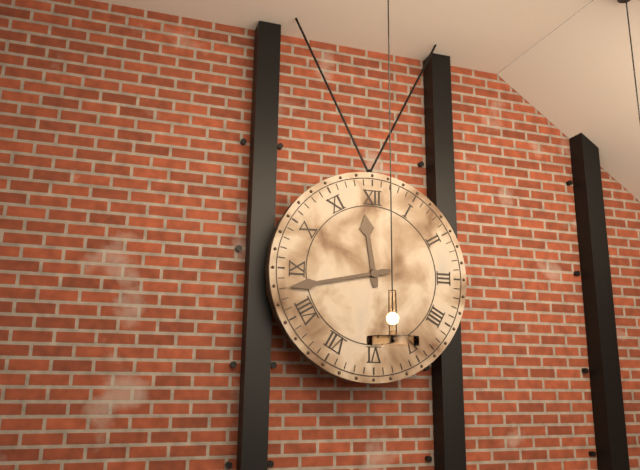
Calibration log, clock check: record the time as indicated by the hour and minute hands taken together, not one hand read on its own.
11:43
